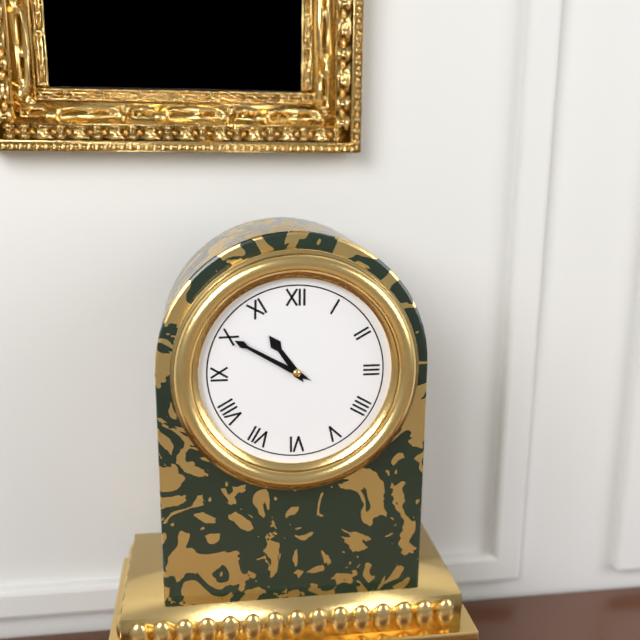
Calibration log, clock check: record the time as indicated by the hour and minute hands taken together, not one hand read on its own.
10:50
